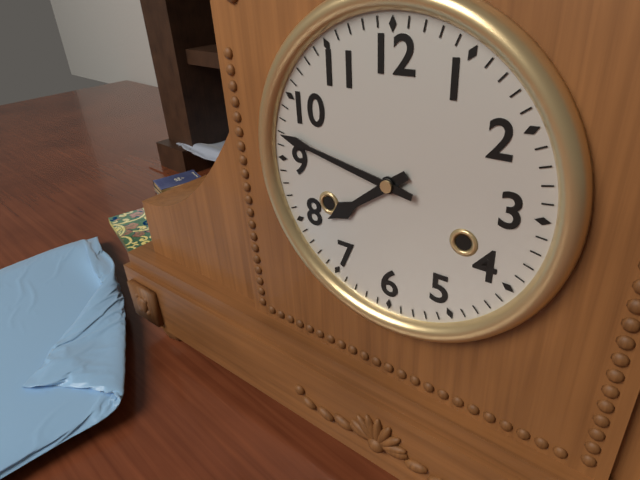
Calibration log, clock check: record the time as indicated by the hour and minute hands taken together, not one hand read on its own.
7:47
